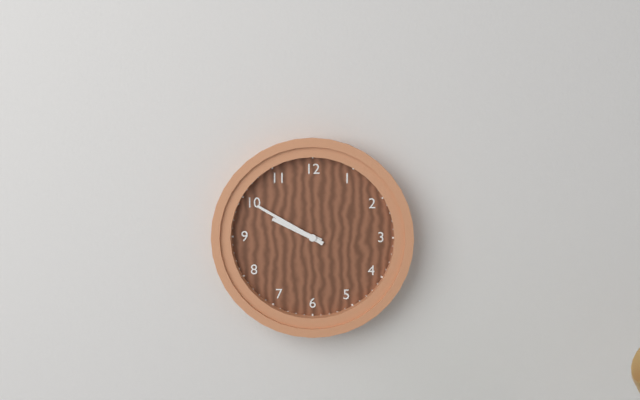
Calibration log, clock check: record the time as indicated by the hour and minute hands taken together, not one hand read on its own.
9:50
